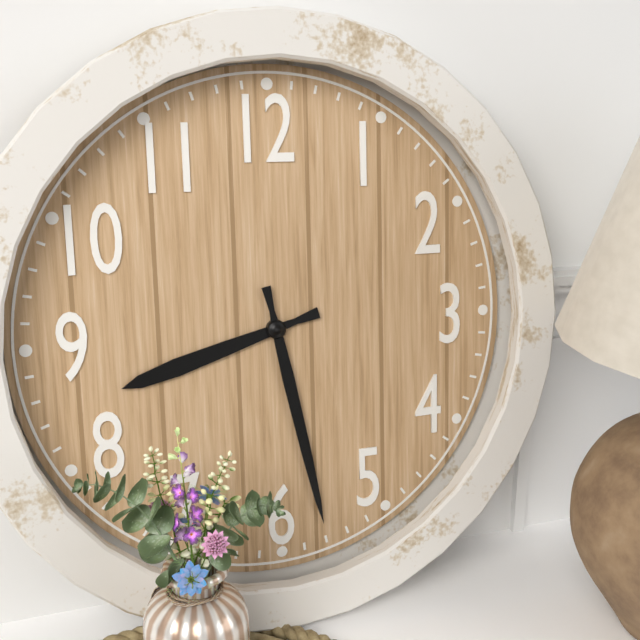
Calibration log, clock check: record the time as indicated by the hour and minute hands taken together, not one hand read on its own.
8:28
